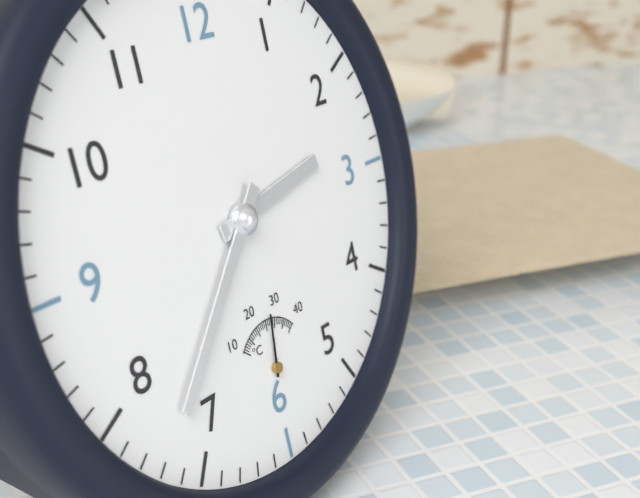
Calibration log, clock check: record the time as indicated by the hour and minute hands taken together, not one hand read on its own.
2:37
